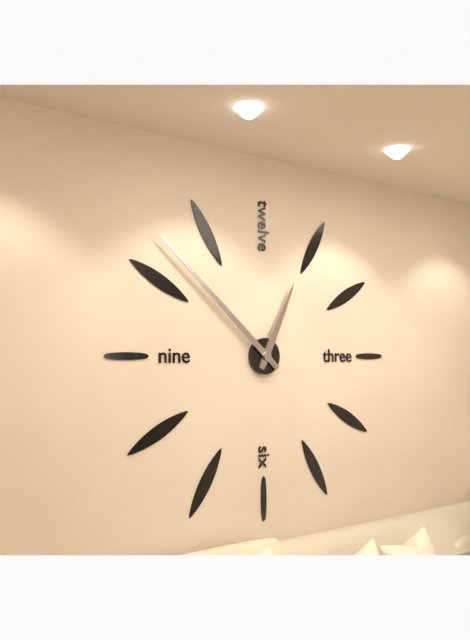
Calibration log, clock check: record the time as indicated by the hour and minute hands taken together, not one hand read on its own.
12:52
